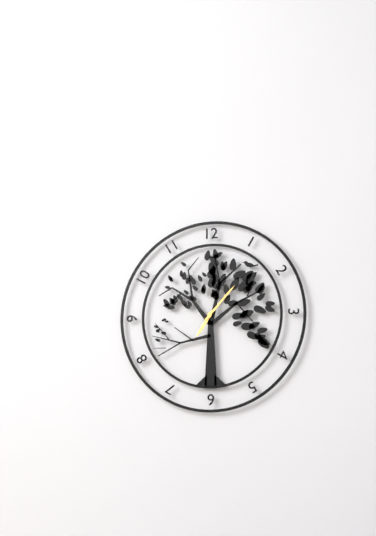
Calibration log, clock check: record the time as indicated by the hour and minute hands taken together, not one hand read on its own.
7:07
